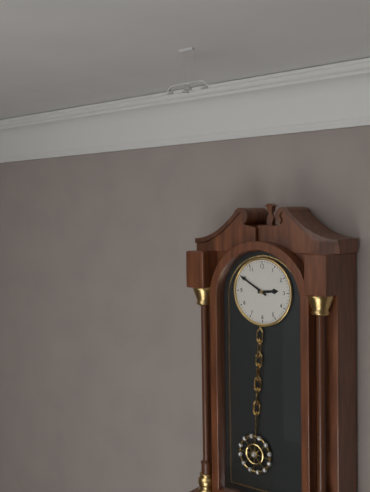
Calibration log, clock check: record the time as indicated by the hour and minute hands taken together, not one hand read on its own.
2:50
